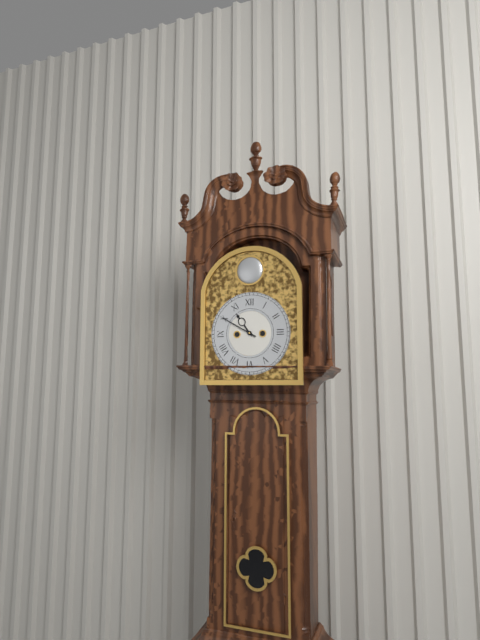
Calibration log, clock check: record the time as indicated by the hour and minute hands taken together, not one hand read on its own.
10:50
